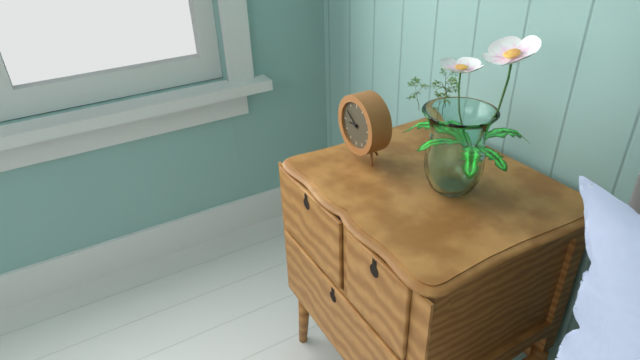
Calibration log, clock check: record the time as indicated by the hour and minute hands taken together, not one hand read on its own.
8:51
